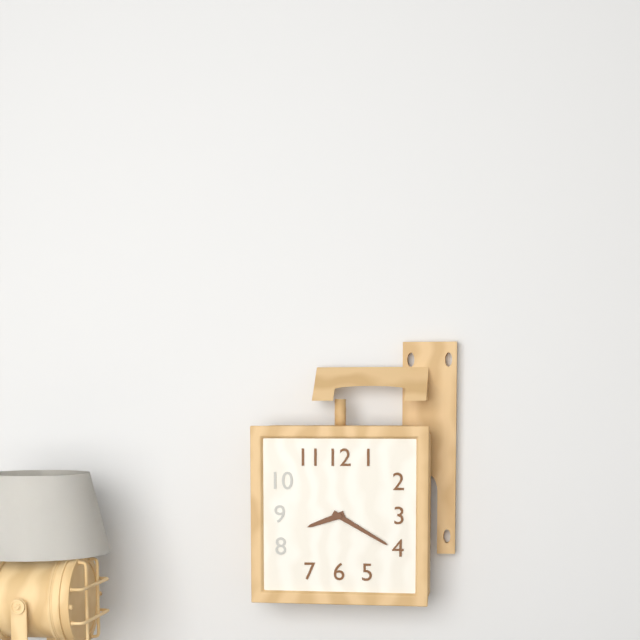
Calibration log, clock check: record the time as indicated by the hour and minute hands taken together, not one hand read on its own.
8:20
